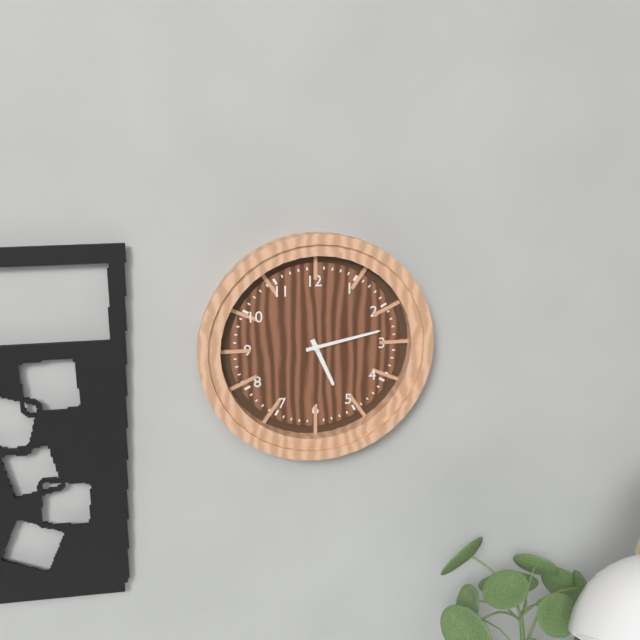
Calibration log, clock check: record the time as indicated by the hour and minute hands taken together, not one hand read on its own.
5:13
